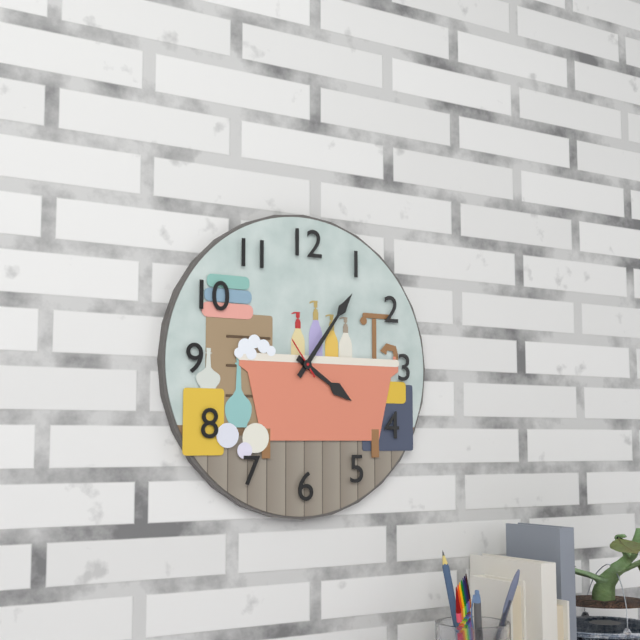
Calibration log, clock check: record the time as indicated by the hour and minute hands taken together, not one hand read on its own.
4:06
